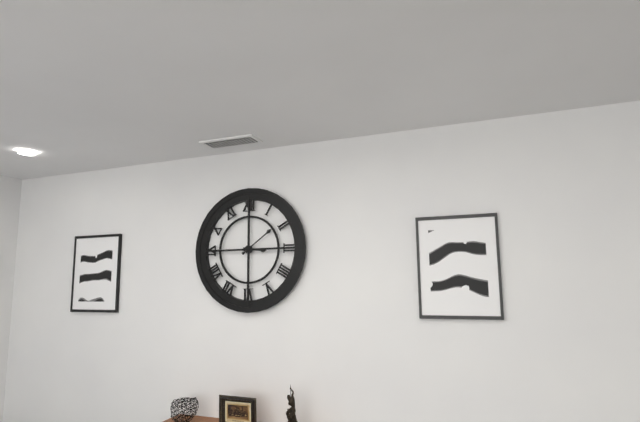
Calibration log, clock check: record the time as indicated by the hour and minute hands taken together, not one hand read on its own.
3:09
